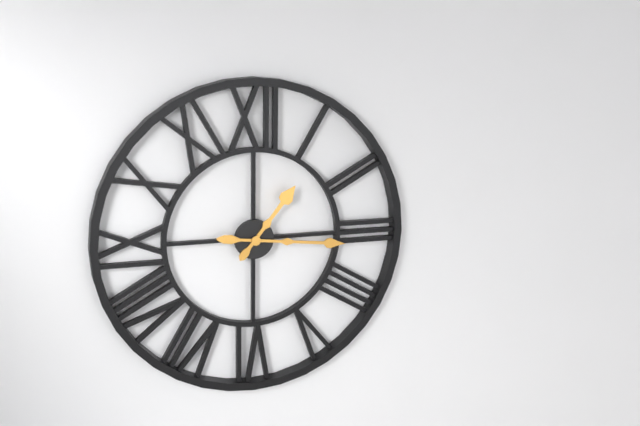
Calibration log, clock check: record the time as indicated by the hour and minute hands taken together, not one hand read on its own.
1:16
